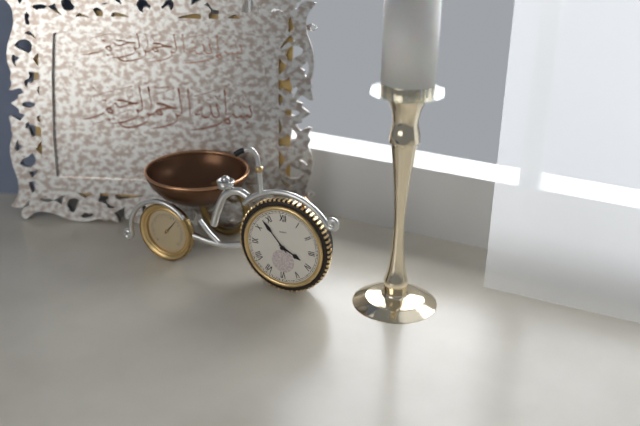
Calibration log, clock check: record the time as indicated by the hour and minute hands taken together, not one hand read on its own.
3:53
